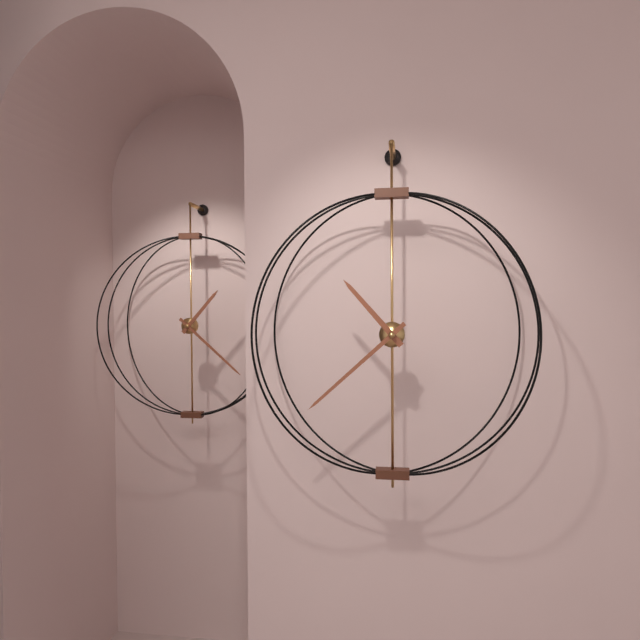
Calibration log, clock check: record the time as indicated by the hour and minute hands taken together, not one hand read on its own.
10:38
